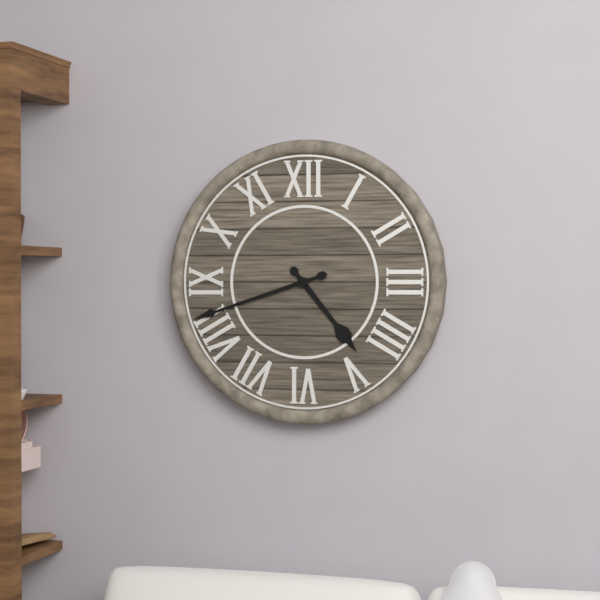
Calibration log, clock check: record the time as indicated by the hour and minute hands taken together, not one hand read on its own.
4:42
